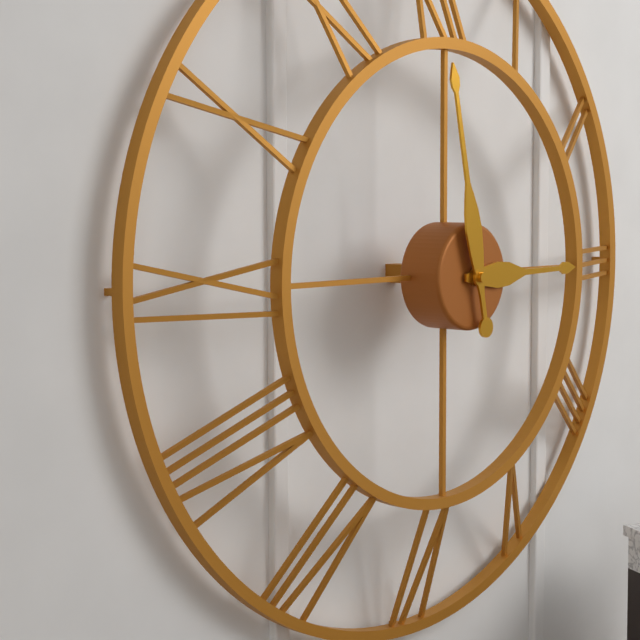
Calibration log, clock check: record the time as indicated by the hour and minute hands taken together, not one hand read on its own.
2:58
